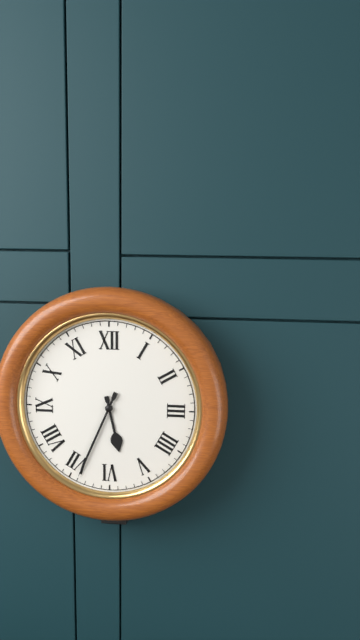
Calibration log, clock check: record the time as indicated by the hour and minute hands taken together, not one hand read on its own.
5:34
